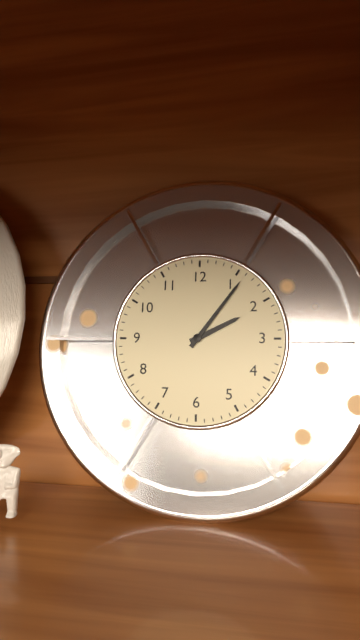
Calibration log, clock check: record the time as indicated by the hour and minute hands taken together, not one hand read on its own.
2:06
